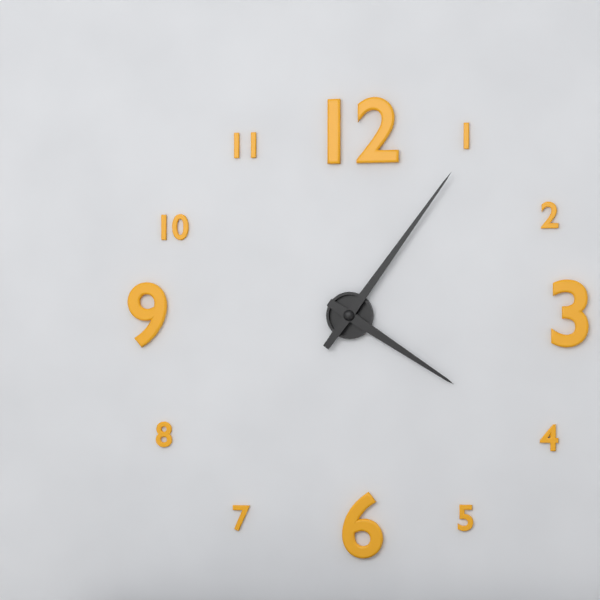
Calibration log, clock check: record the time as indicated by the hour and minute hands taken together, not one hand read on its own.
4:06
